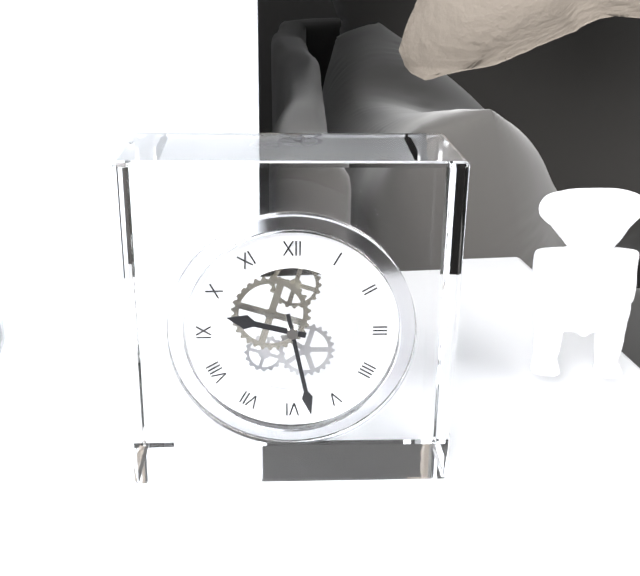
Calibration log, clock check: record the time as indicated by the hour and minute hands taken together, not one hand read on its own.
9:28
